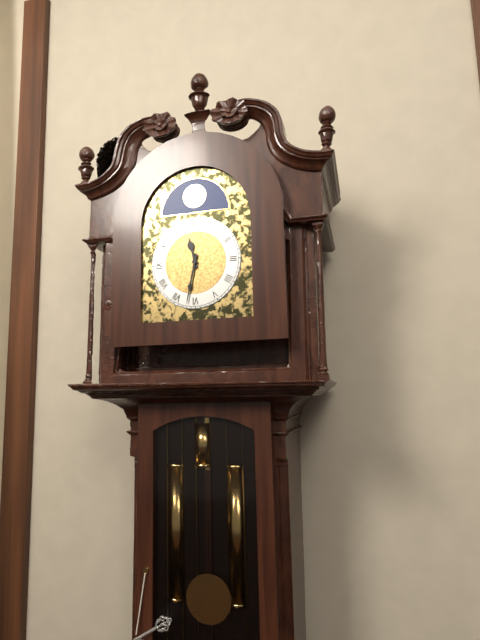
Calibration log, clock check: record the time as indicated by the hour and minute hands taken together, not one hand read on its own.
11:32
